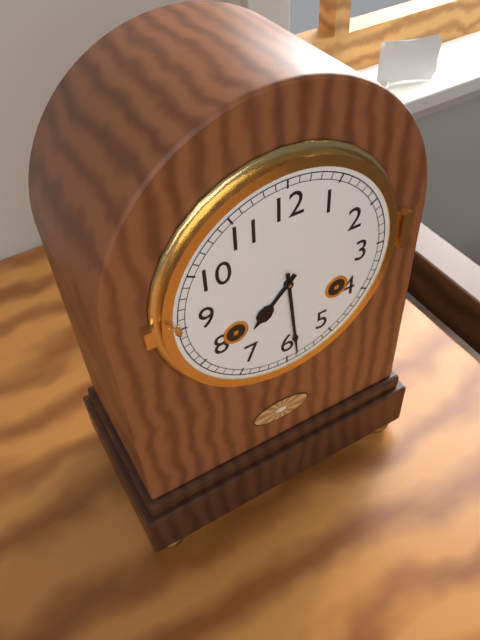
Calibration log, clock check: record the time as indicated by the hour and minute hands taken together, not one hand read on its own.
7:29
